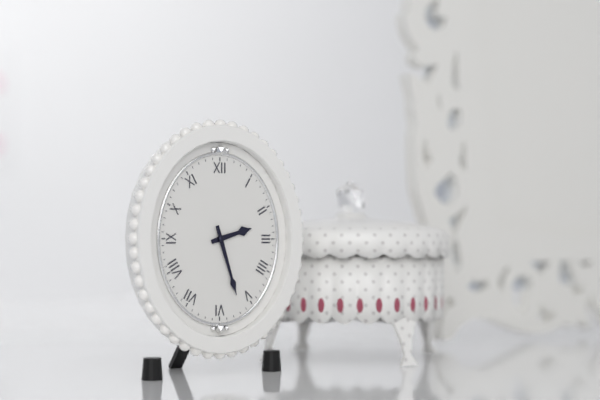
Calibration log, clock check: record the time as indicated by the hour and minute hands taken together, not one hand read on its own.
2:27
